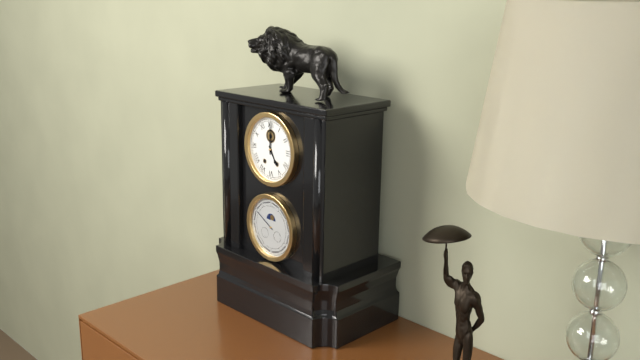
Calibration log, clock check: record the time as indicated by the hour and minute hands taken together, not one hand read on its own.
5:00
